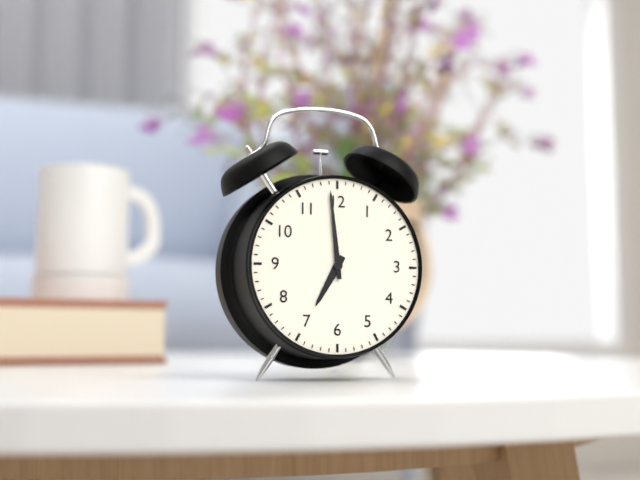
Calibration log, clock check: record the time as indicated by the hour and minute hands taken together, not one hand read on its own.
6:59
